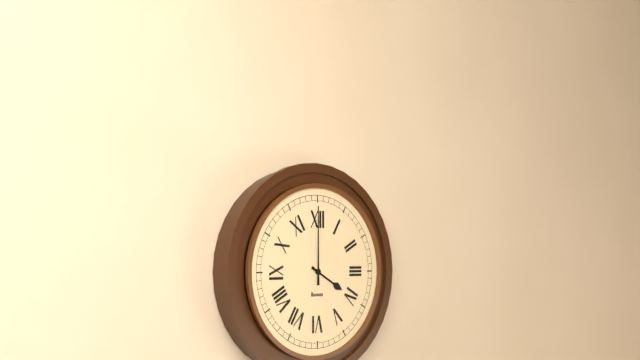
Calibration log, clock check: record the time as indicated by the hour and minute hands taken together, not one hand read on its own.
4:00
